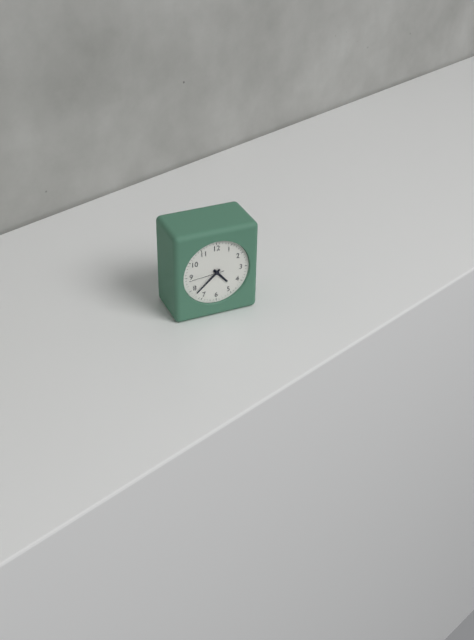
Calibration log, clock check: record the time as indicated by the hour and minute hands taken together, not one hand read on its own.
4:38
